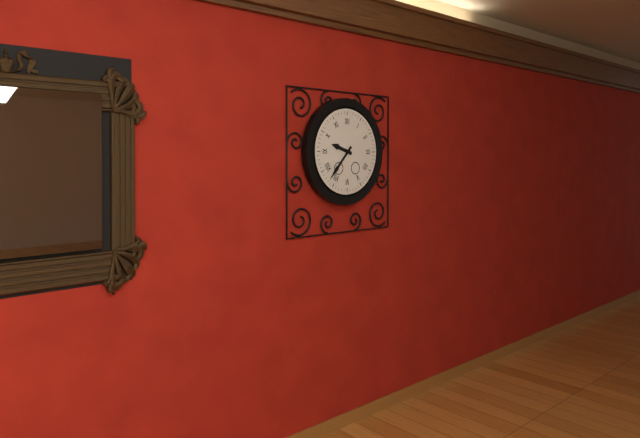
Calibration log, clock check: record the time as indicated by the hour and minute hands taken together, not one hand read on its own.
9:37
